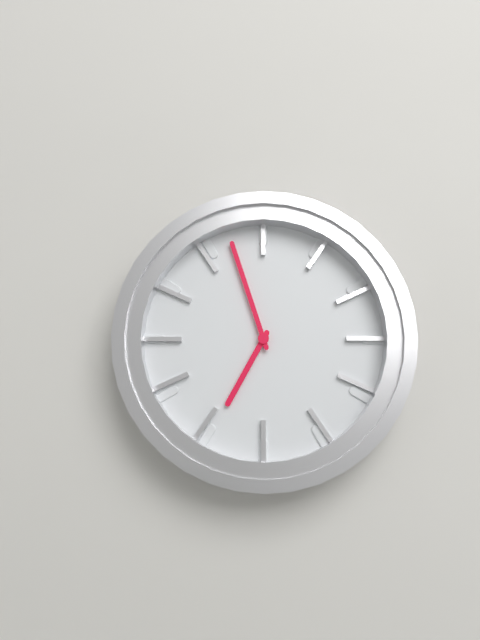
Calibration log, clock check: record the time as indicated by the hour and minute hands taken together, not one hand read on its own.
6:57
